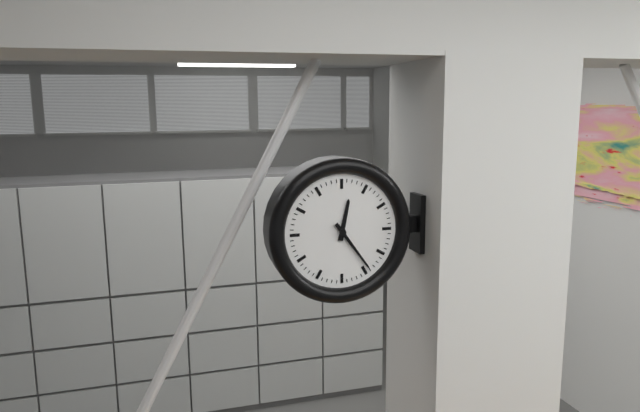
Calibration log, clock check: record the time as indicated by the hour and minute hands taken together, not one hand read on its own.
12:24
